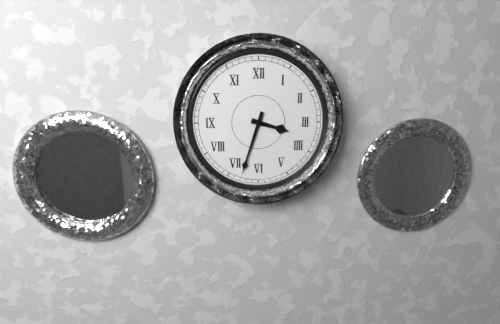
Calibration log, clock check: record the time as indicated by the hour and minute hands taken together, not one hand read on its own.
3:33
